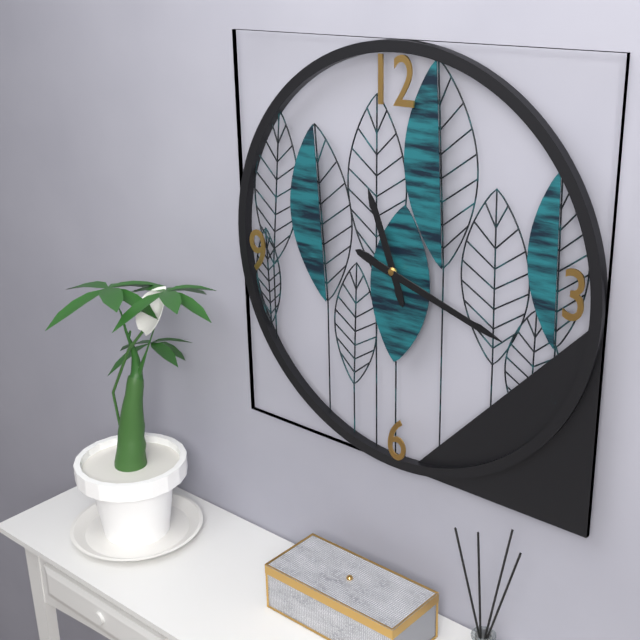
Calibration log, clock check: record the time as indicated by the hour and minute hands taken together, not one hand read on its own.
11:18
